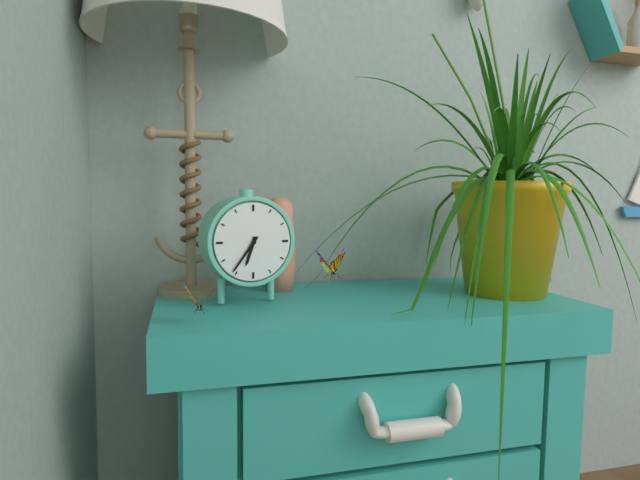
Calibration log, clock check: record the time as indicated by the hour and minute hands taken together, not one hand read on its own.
6:36
